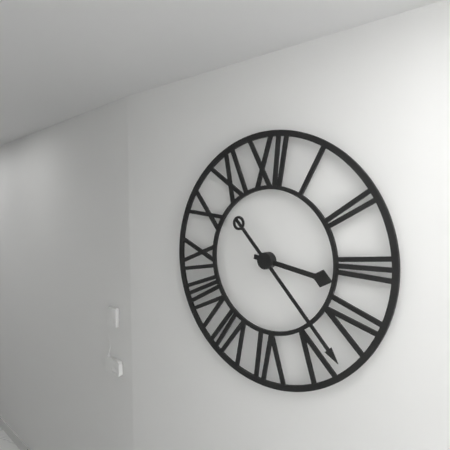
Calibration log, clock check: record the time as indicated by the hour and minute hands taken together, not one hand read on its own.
3:23
